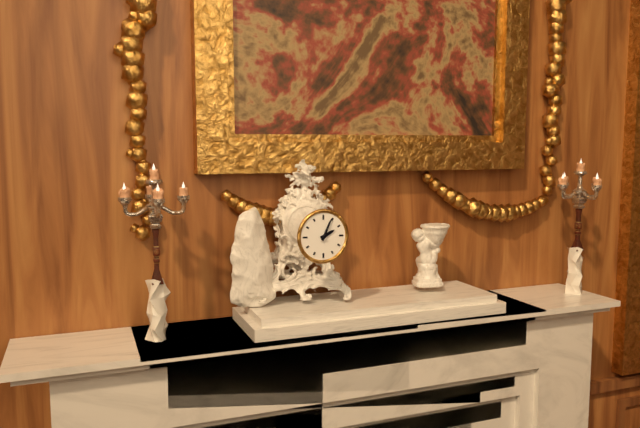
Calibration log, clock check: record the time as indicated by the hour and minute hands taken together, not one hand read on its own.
2:04
